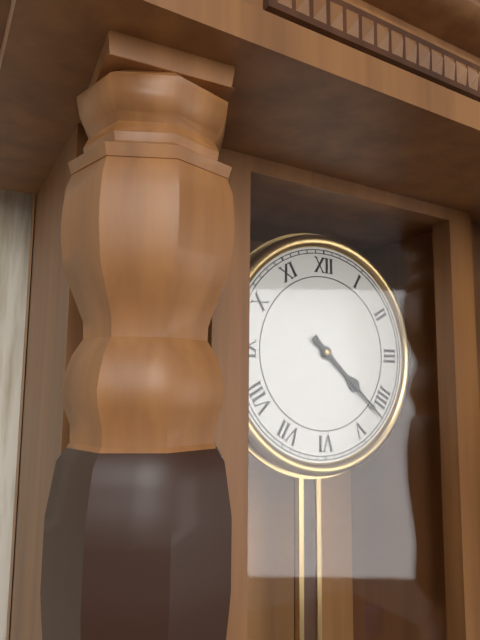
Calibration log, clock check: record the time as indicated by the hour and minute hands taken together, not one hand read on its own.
4:22
